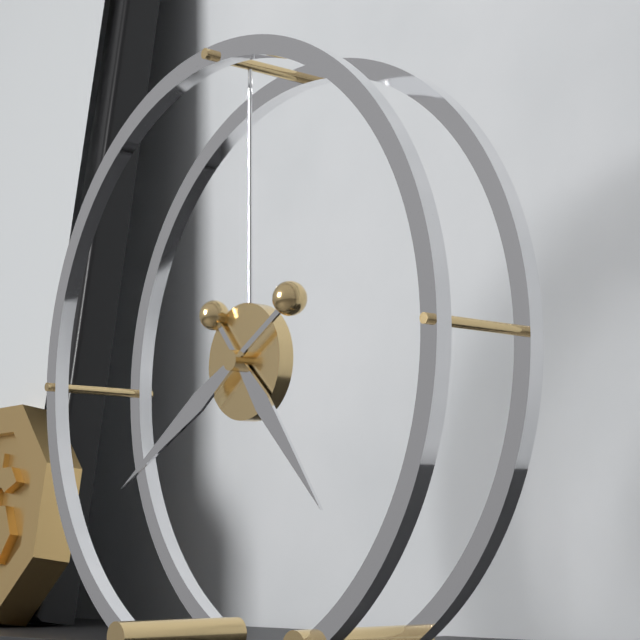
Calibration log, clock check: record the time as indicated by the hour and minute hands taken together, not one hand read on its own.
4:40
